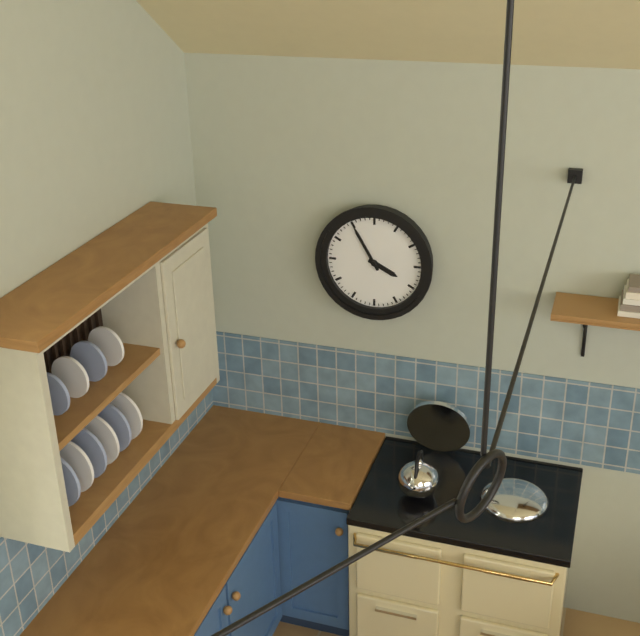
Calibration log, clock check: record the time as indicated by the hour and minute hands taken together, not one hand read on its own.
3:55
